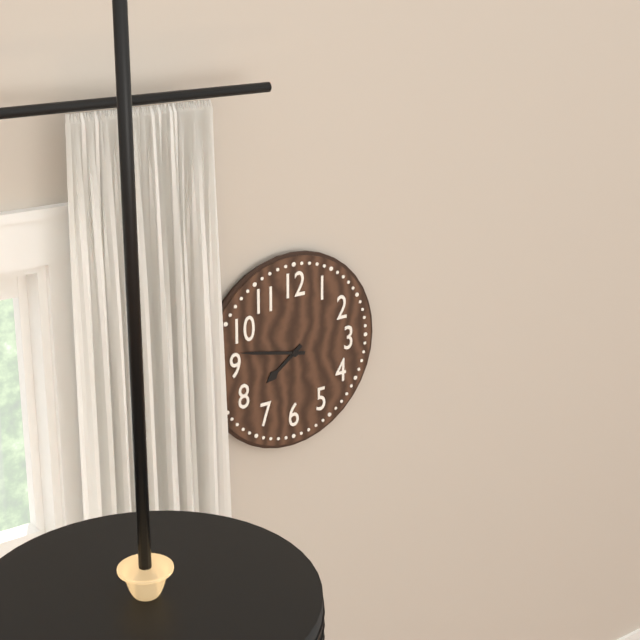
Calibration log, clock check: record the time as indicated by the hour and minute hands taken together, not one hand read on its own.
7:47
